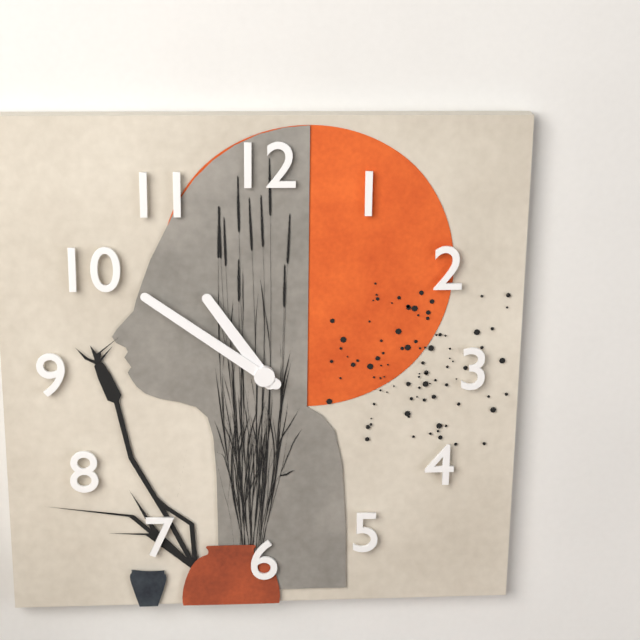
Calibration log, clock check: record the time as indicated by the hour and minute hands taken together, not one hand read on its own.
10:51
